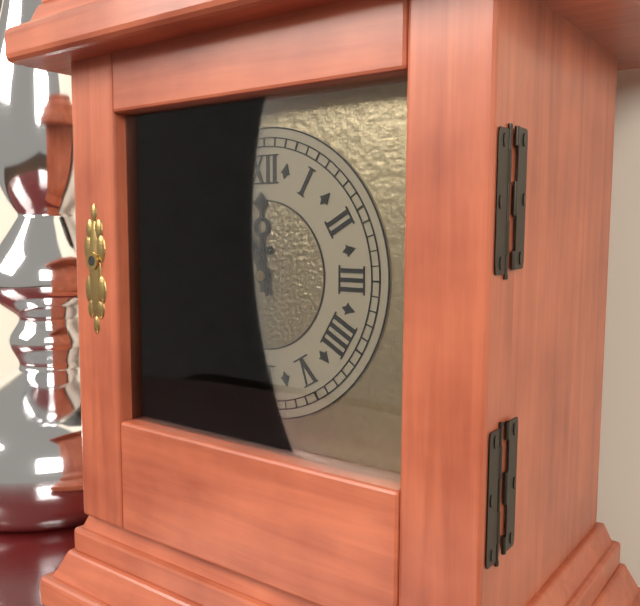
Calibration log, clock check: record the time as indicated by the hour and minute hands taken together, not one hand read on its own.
11:56
